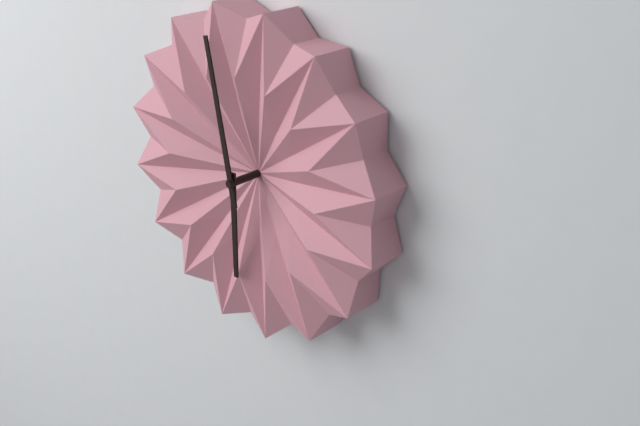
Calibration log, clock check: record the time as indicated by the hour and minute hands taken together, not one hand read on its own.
5:58
